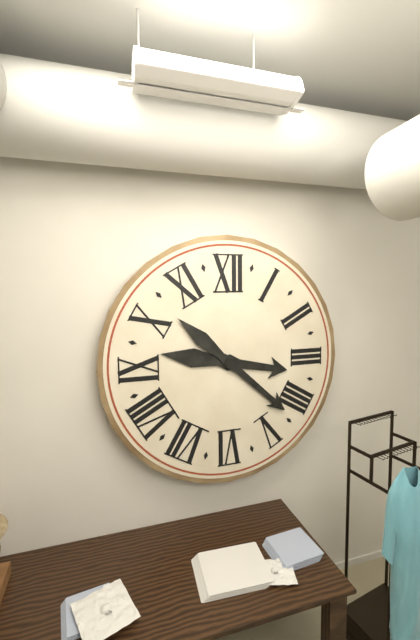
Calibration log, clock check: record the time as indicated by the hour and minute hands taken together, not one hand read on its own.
3:22
